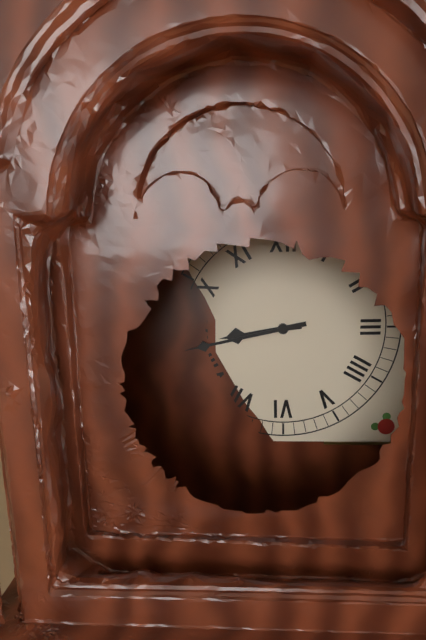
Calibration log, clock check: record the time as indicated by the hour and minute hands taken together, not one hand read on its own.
8:43
